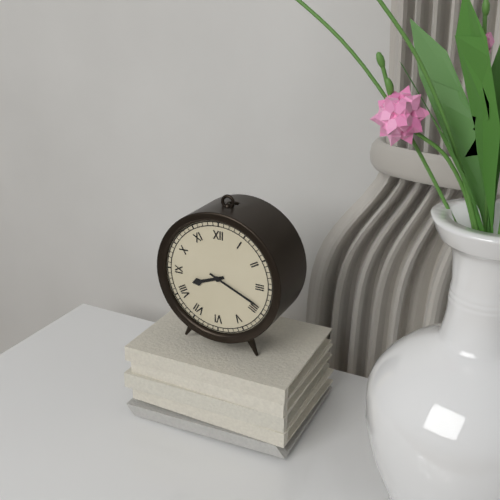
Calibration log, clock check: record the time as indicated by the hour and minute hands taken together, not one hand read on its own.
8:19
